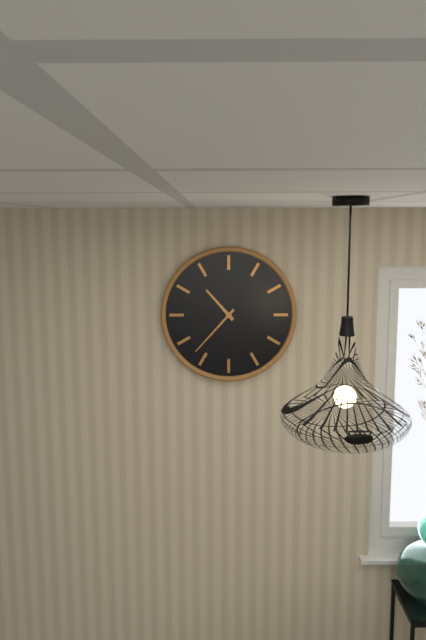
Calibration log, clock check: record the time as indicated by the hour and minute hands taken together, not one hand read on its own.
10:37
